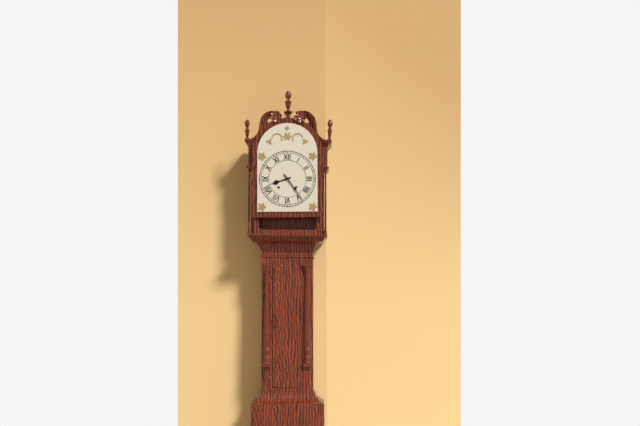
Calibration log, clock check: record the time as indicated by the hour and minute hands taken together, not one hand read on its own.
8:24
